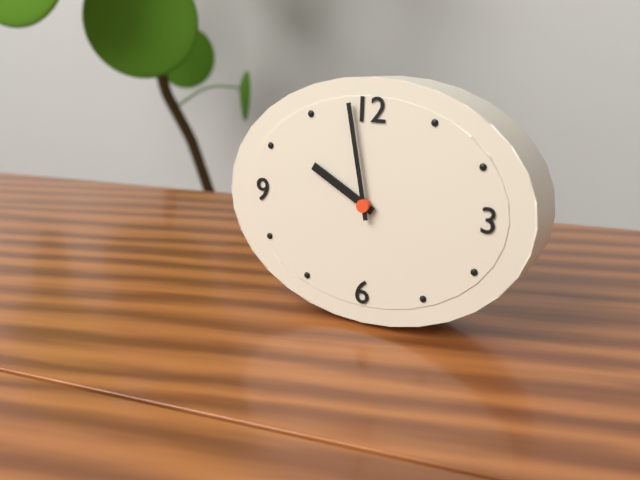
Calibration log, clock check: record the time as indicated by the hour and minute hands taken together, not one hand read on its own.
9:58
